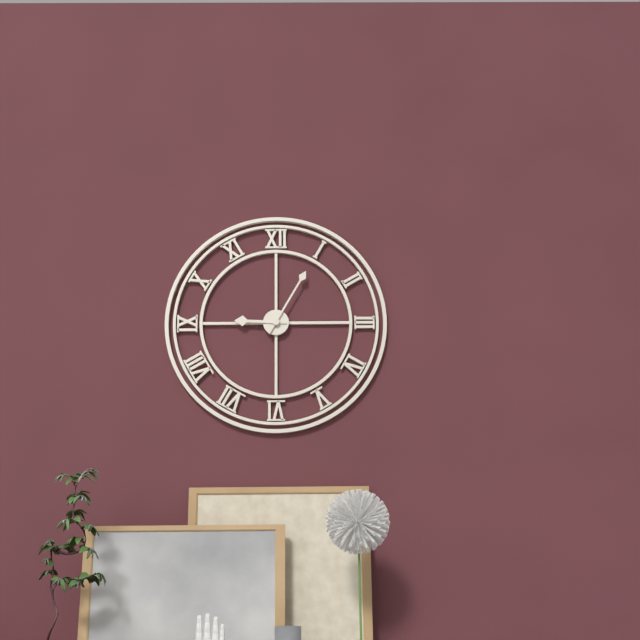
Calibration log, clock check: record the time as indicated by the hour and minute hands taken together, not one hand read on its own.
9:05
